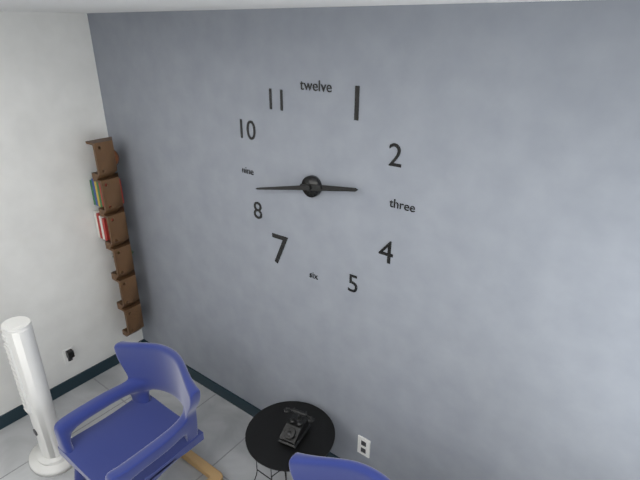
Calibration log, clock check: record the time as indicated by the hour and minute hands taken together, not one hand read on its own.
2:43
